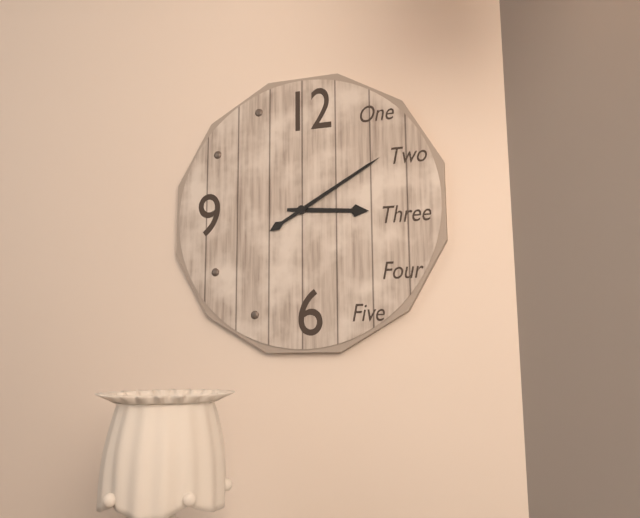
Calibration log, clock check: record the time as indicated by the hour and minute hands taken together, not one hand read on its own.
3:10
